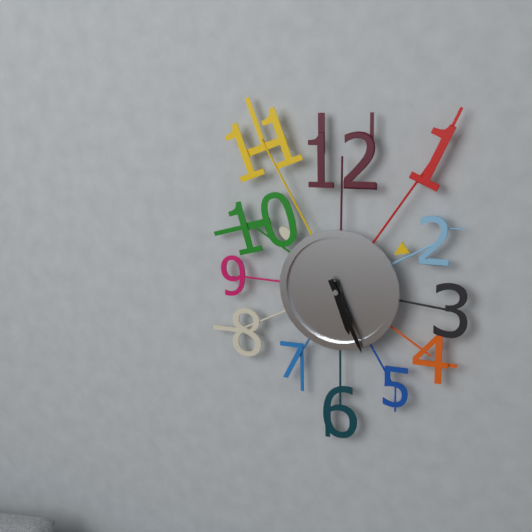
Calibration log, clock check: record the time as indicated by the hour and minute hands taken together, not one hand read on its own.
5:26
